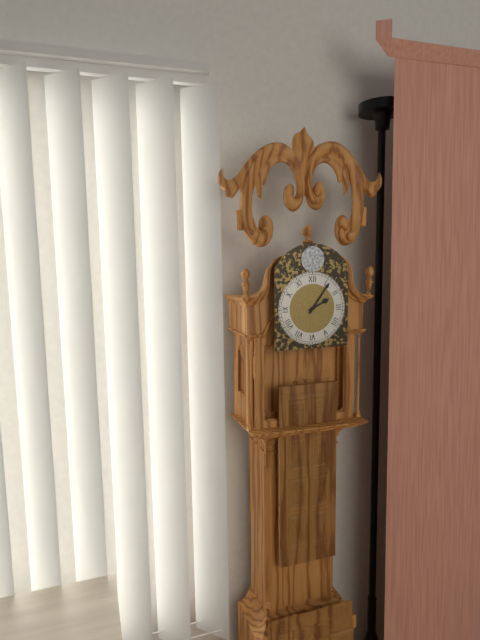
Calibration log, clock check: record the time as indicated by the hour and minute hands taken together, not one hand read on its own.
2:06
